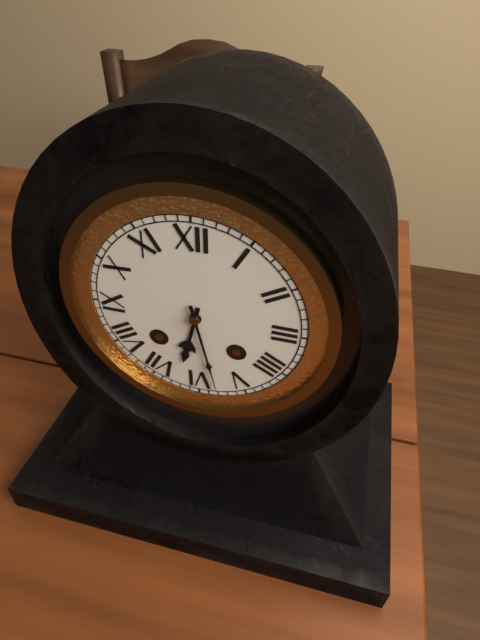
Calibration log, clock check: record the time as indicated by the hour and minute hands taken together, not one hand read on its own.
6:28
